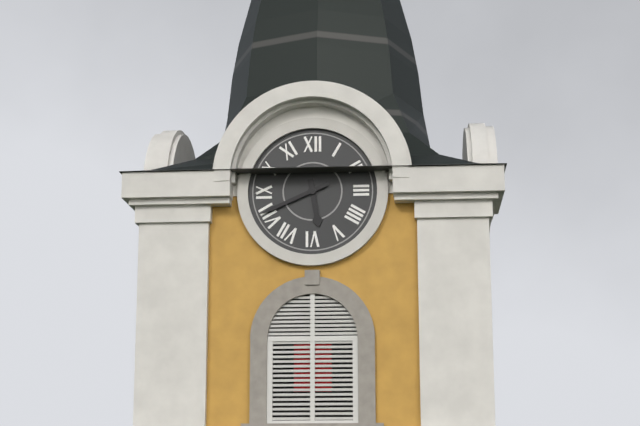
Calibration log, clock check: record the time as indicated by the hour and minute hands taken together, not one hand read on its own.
5:41
